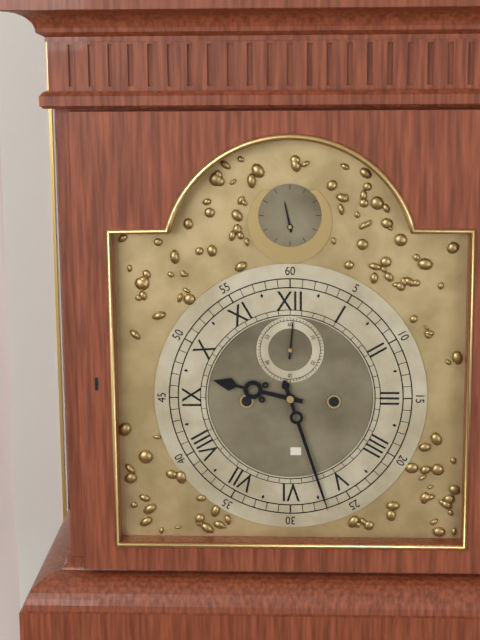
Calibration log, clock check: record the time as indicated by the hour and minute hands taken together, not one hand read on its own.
9:27
